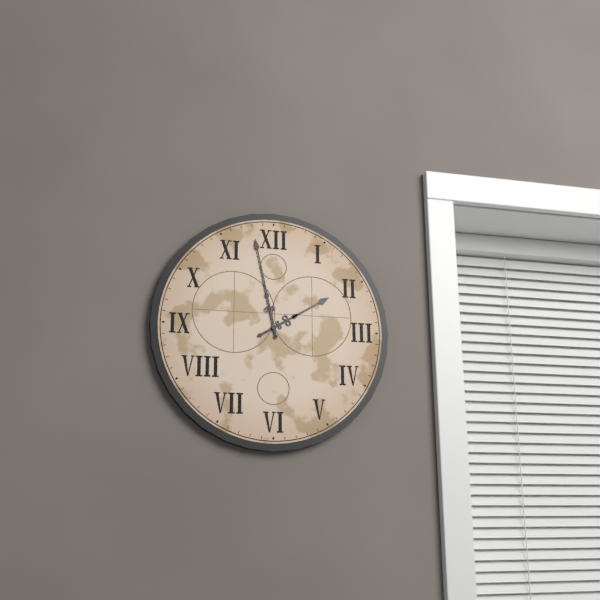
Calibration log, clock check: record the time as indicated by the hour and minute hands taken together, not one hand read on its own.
1:58
